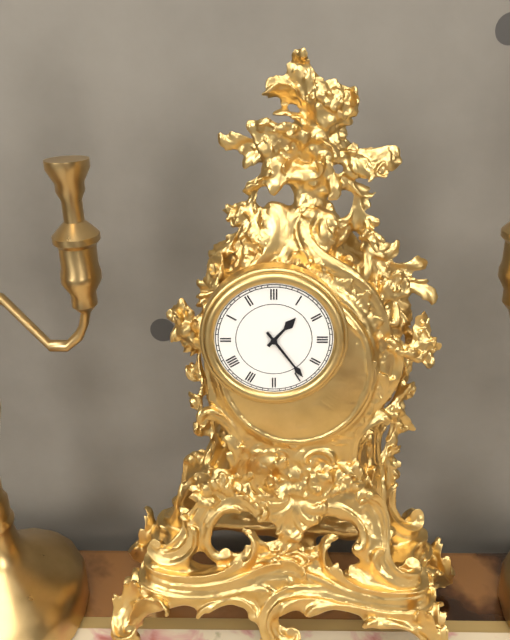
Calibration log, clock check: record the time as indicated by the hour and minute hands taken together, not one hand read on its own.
1:24
